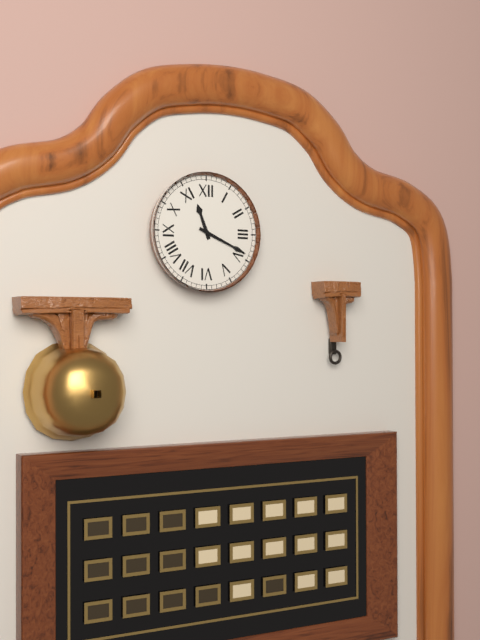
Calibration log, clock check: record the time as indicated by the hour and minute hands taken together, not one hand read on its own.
11:19
